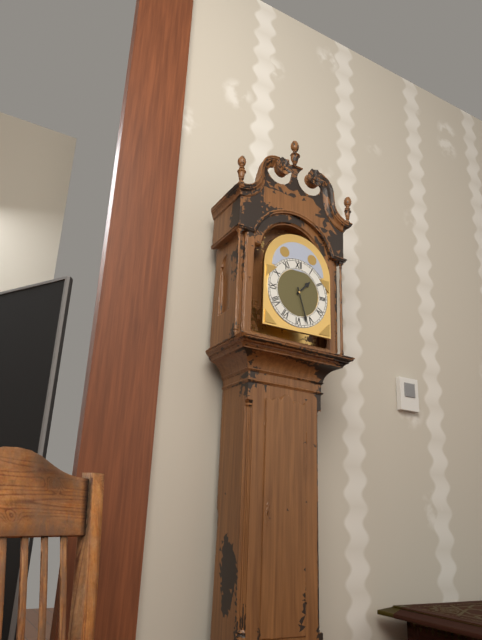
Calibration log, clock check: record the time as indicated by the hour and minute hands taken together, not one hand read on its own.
1:27
